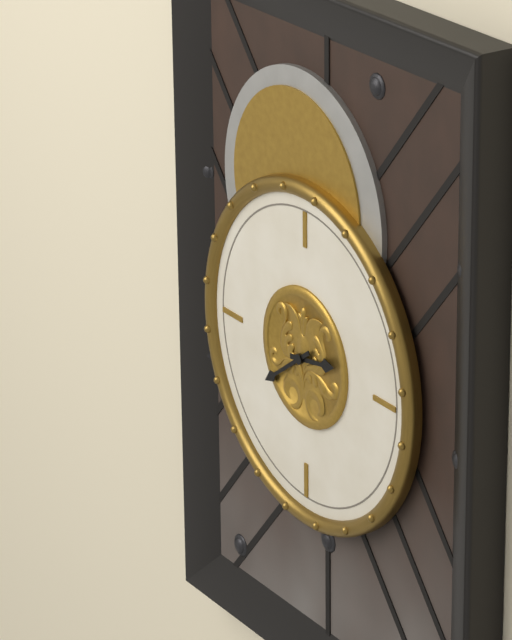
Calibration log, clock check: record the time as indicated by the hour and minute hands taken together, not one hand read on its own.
2:39
